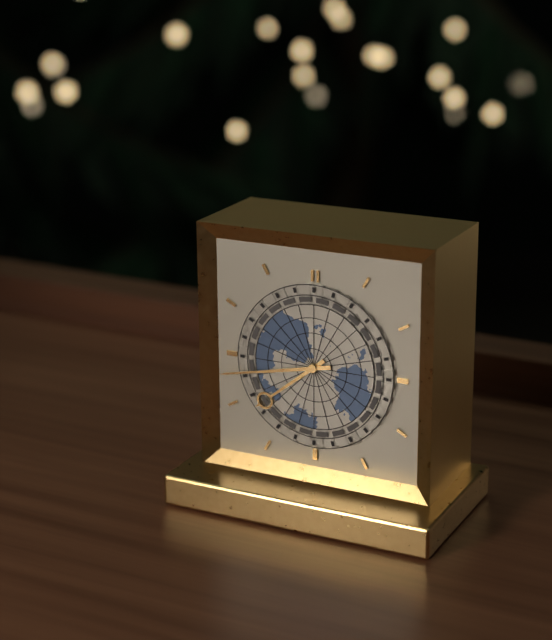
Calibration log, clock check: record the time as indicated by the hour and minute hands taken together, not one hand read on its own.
7:43
